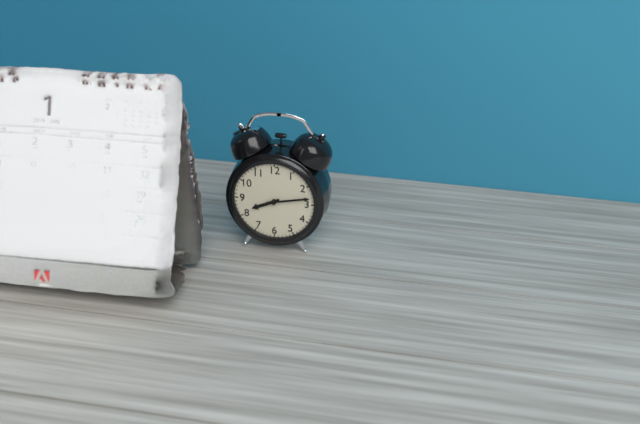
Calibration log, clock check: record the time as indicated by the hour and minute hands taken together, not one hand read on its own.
8:13
